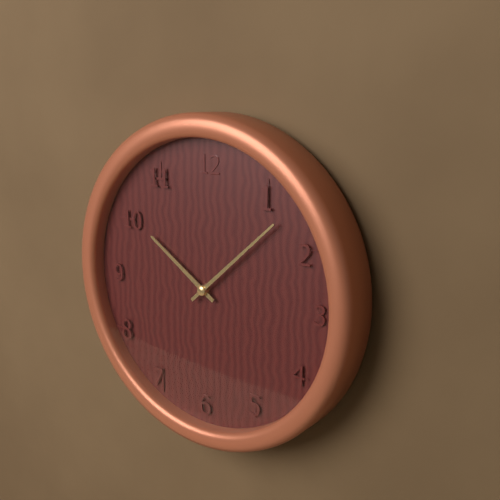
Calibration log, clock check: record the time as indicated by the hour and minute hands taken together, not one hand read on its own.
10:08
